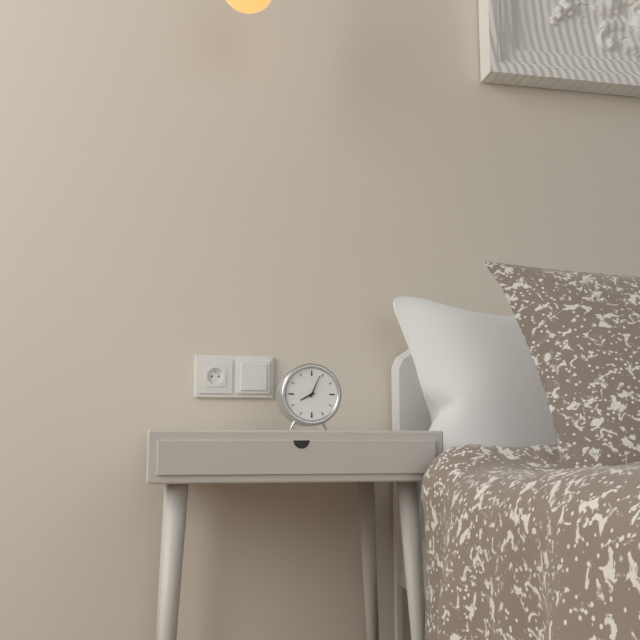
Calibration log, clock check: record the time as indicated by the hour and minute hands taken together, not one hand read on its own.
8:04
